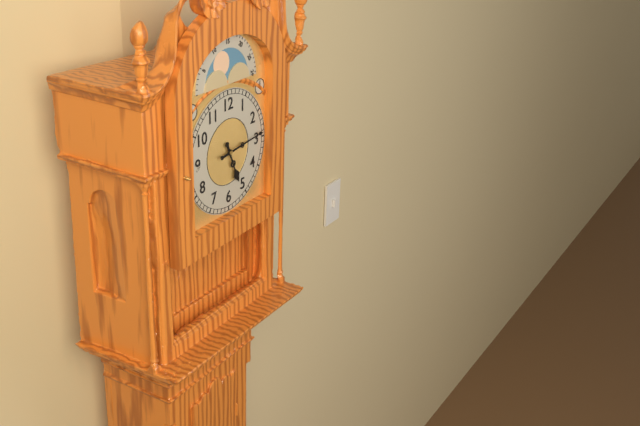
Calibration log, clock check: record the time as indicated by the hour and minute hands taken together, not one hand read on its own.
5:14
